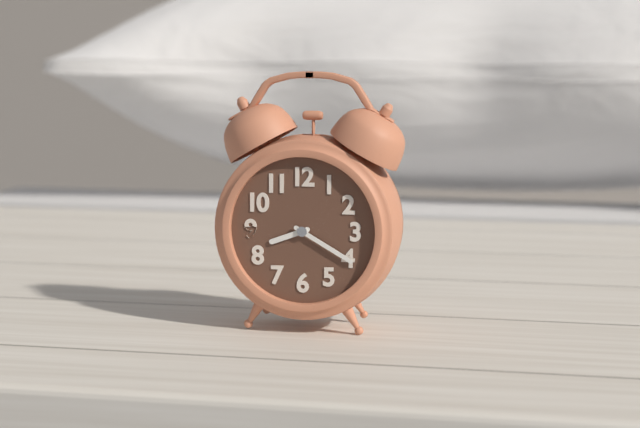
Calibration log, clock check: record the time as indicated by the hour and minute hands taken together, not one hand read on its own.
8:20
